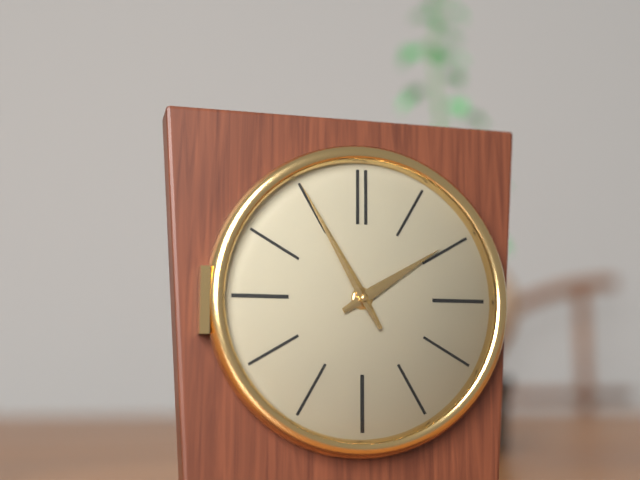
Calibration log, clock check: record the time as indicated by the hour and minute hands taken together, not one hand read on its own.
1:55
